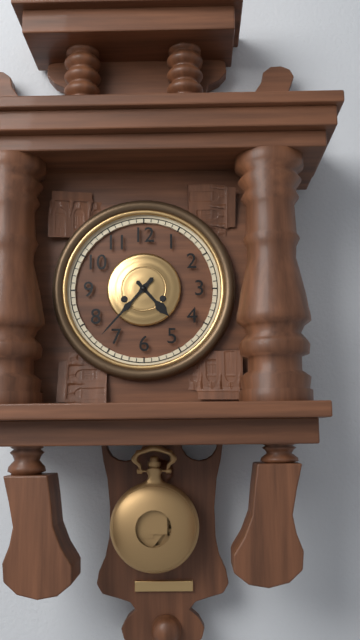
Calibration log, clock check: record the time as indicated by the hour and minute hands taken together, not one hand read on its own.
4:37
